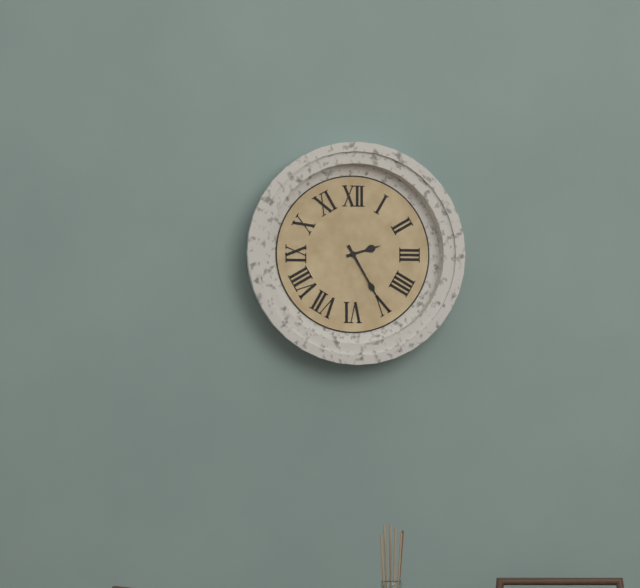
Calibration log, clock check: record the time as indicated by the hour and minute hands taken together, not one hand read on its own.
2:25
